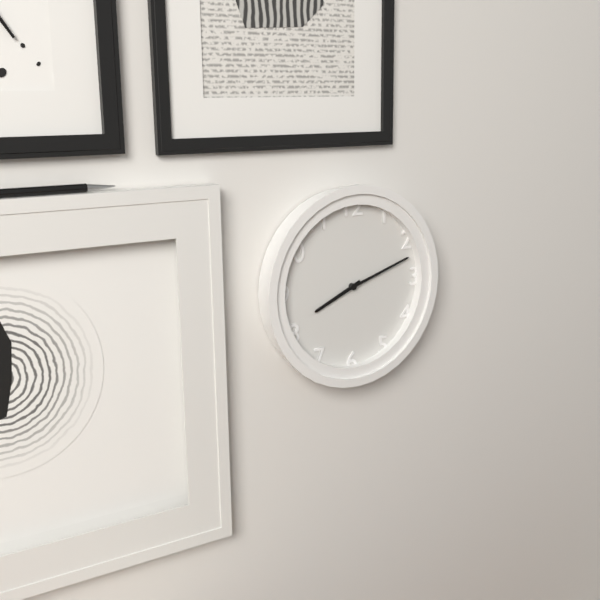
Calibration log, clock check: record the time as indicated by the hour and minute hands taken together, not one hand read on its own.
8:12
